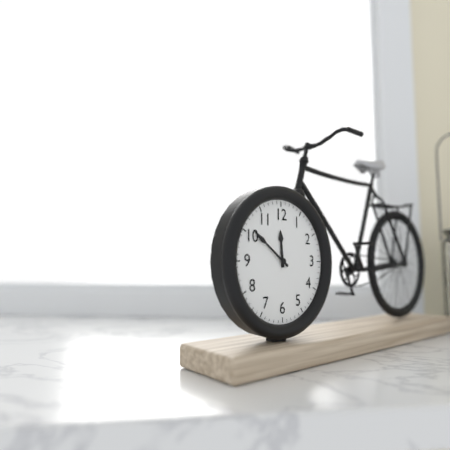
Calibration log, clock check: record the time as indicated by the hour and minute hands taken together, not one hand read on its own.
11:51
